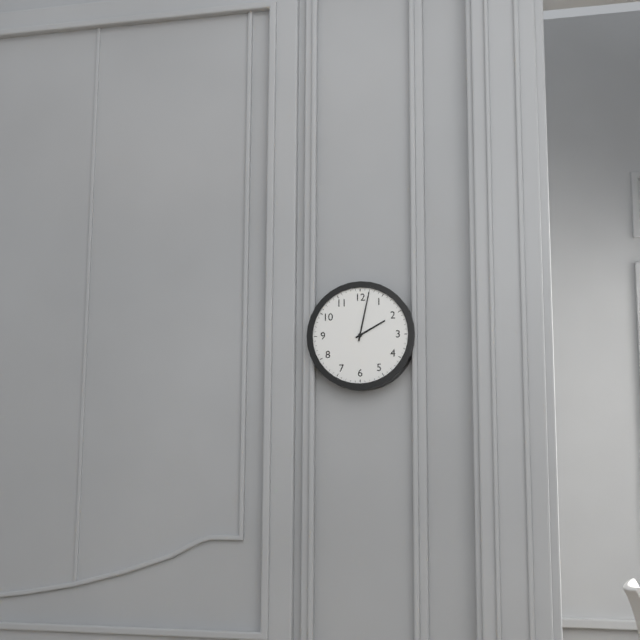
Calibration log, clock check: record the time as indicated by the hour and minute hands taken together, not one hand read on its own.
2:02
